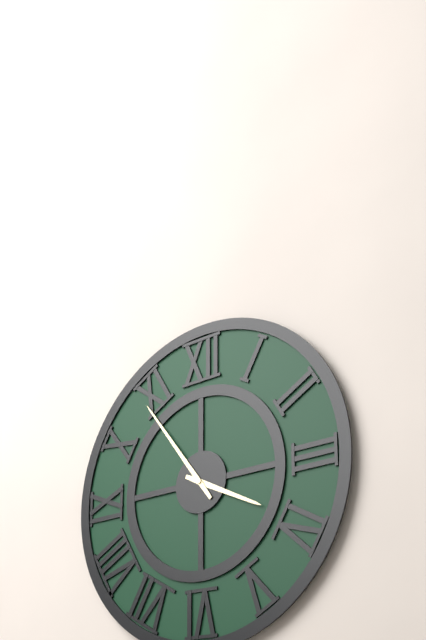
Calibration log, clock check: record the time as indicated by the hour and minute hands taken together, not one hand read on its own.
3:54
